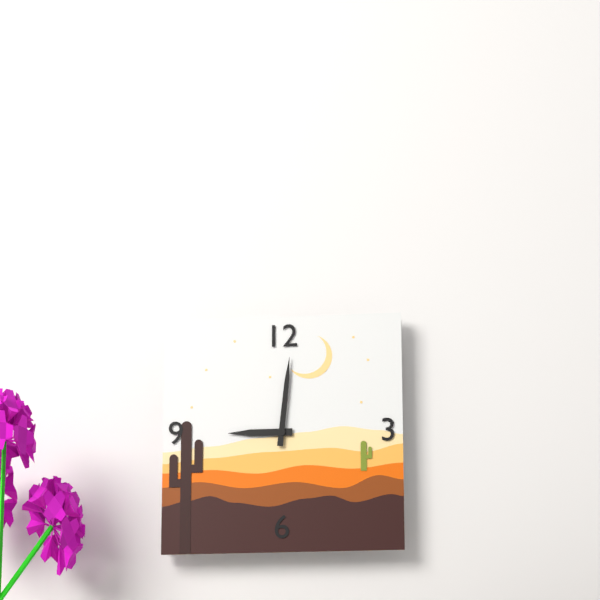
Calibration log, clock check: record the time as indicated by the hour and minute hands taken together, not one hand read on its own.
9:01
